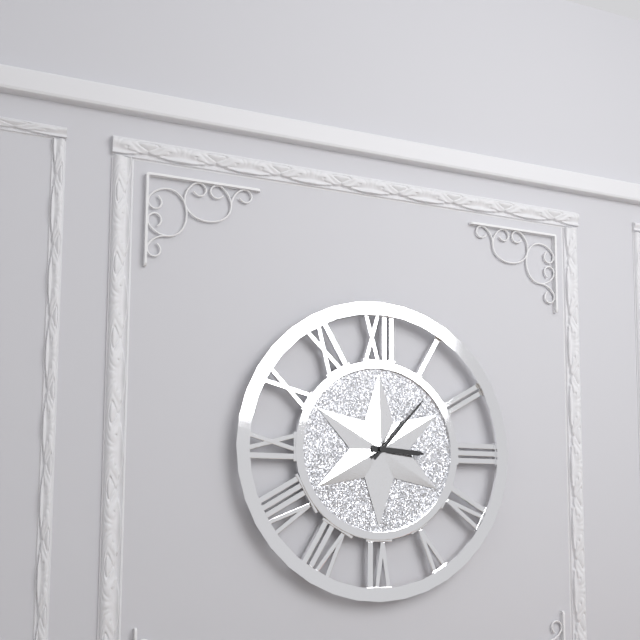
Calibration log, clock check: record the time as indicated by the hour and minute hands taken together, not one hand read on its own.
3:07
